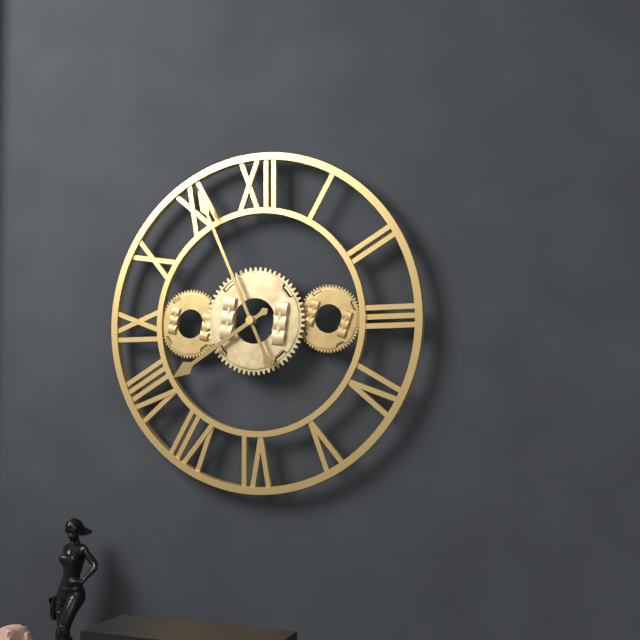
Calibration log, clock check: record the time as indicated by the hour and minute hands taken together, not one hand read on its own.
7:56
